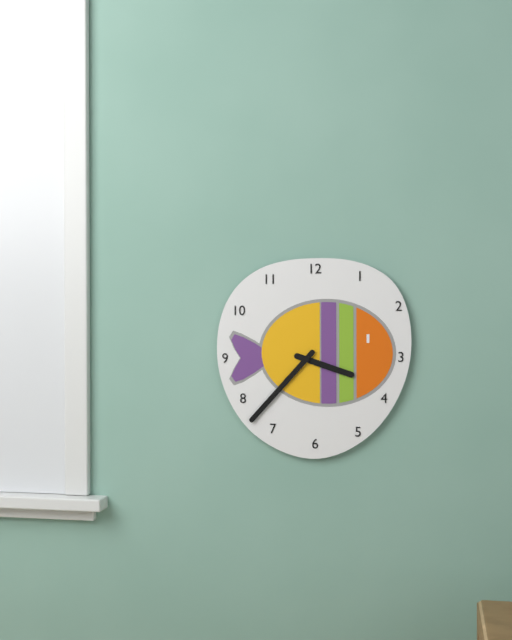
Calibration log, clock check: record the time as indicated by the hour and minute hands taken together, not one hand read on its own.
3:37
